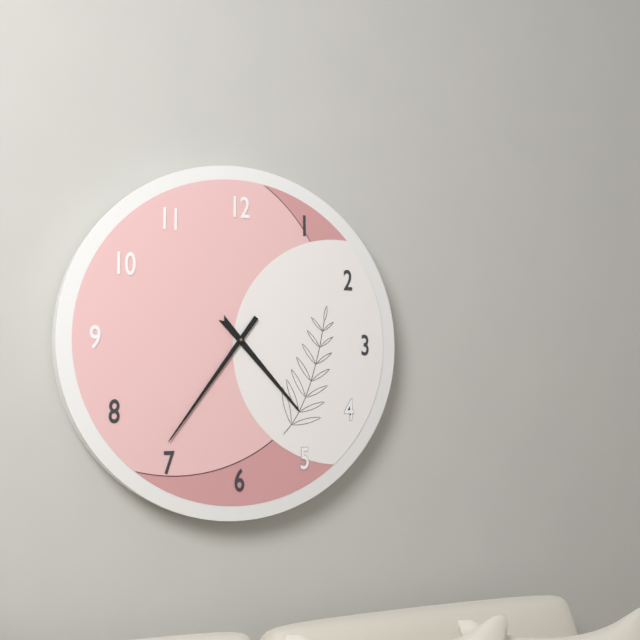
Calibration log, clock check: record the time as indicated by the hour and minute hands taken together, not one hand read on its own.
4:36
